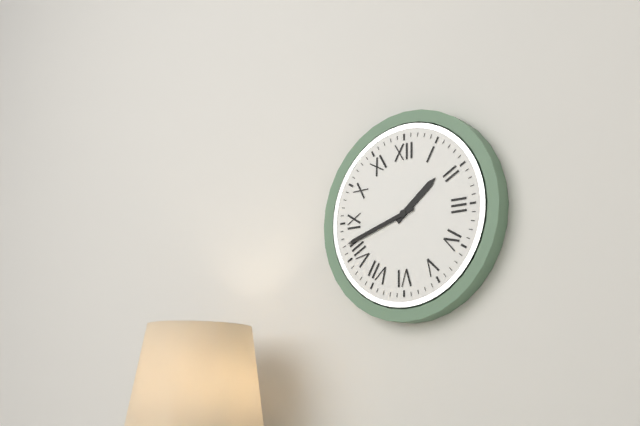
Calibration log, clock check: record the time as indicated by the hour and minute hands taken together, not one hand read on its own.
1:42
